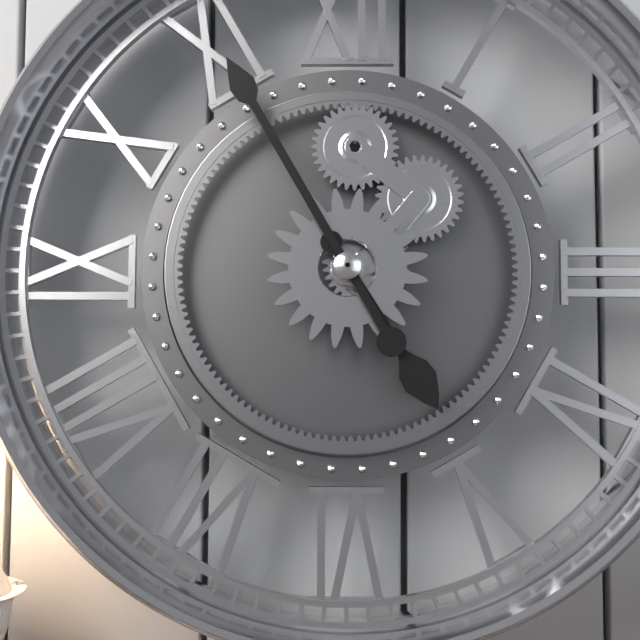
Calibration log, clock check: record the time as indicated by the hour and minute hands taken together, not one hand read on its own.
4:55
